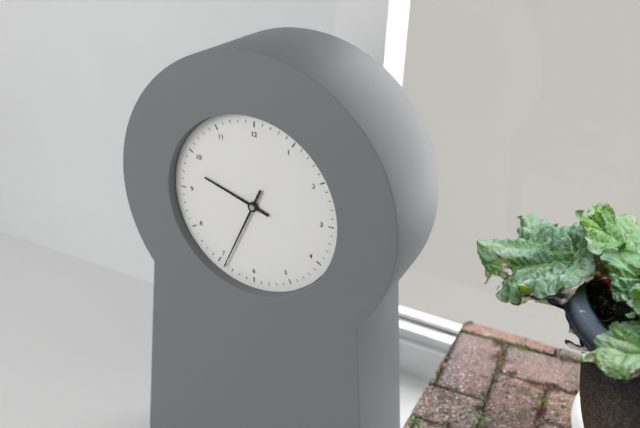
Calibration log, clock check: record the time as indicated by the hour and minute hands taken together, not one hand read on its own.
9:34
